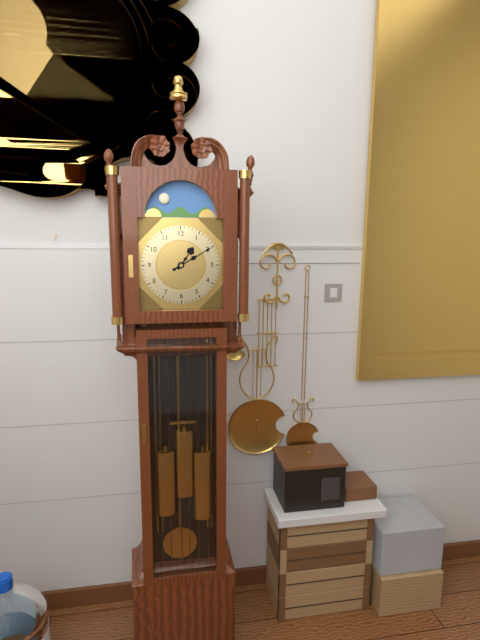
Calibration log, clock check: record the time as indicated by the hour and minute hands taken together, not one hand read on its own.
1:10
